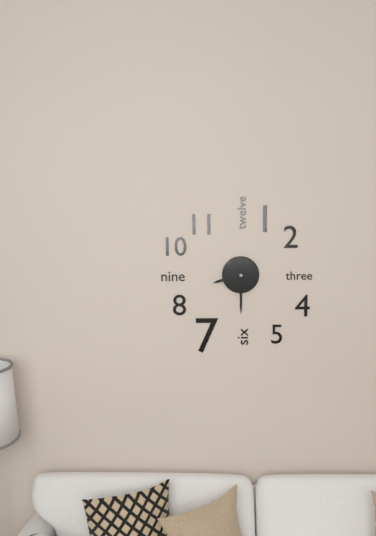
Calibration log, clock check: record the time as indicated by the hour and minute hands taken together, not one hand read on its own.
8:30
